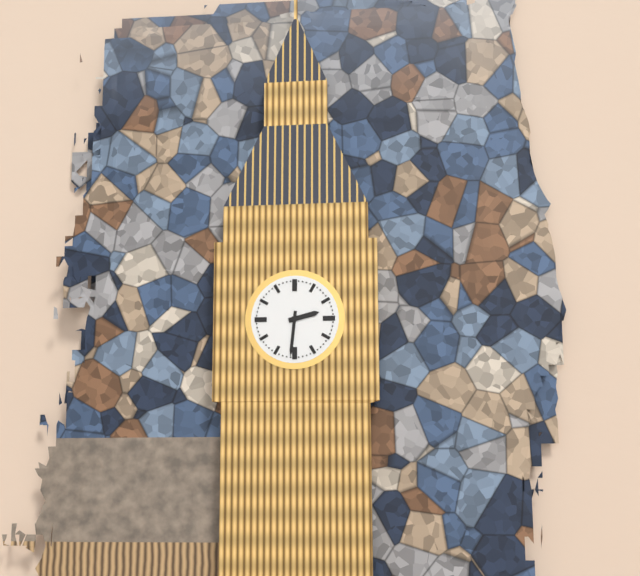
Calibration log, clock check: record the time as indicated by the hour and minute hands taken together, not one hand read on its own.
2:31
